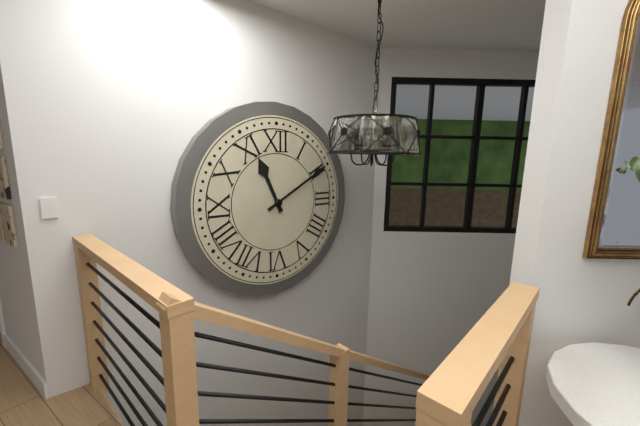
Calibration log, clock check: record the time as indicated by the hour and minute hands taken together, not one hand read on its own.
11:10
